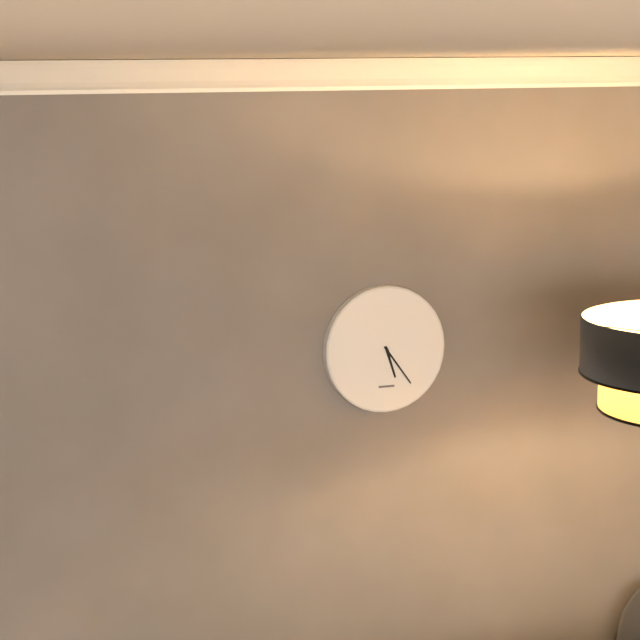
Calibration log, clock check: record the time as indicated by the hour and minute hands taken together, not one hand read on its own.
5:24
